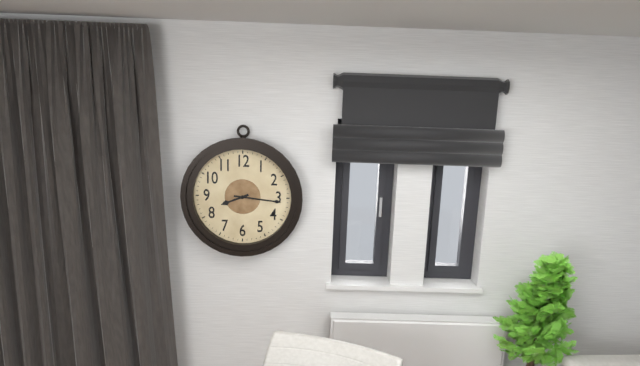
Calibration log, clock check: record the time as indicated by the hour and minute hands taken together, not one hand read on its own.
8:16
